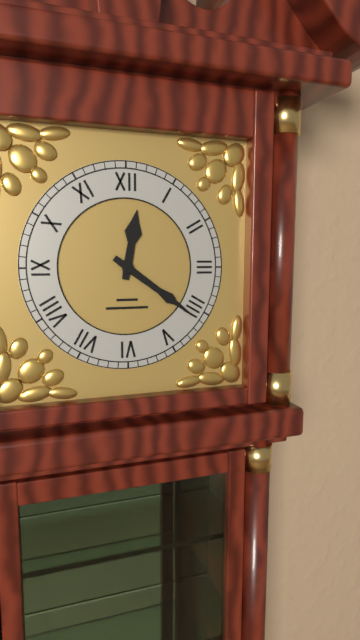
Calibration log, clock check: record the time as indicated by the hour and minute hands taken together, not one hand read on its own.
12:21
